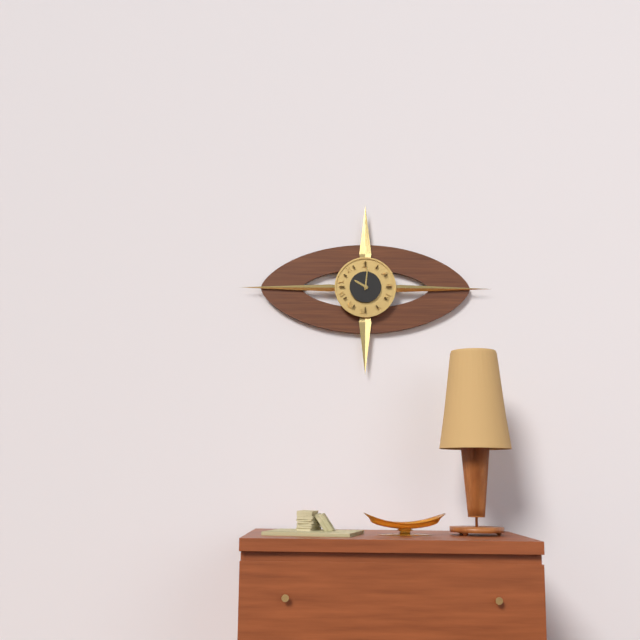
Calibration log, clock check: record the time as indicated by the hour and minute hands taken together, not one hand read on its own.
10:01
